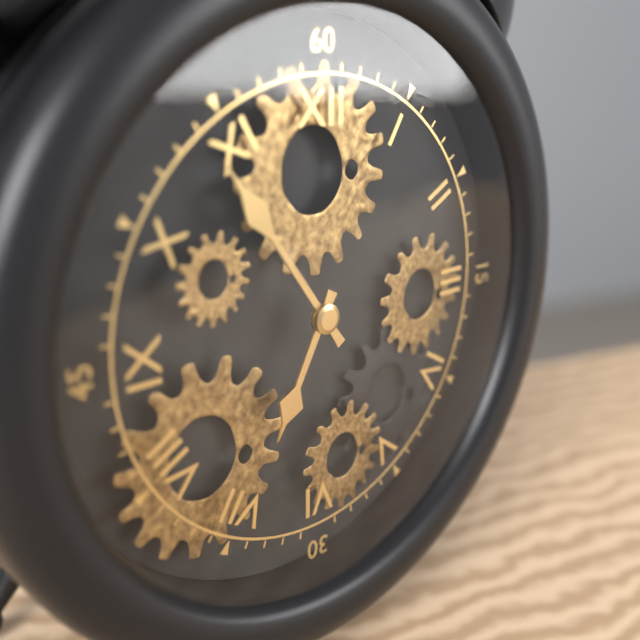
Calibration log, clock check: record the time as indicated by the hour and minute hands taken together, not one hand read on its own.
6:54
